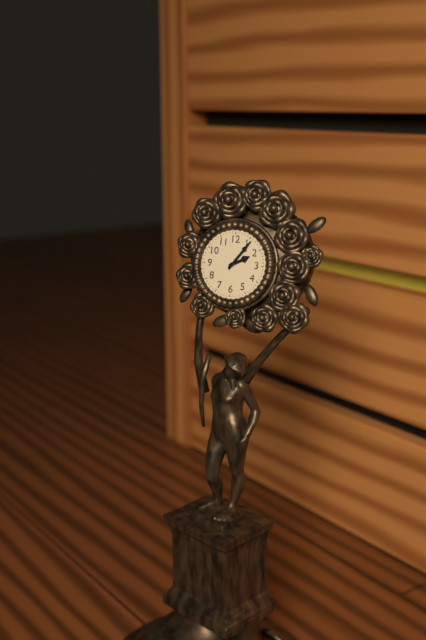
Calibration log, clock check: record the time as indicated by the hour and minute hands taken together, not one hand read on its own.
2:06
